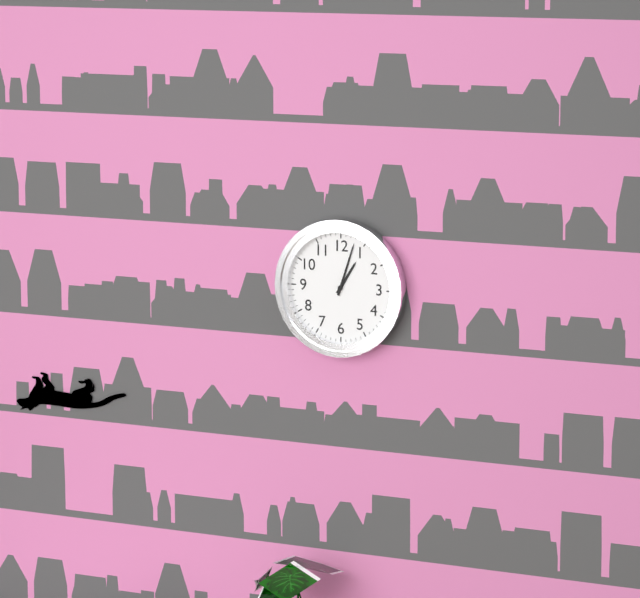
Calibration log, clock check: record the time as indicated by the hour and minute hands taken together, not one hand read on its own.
1:03
